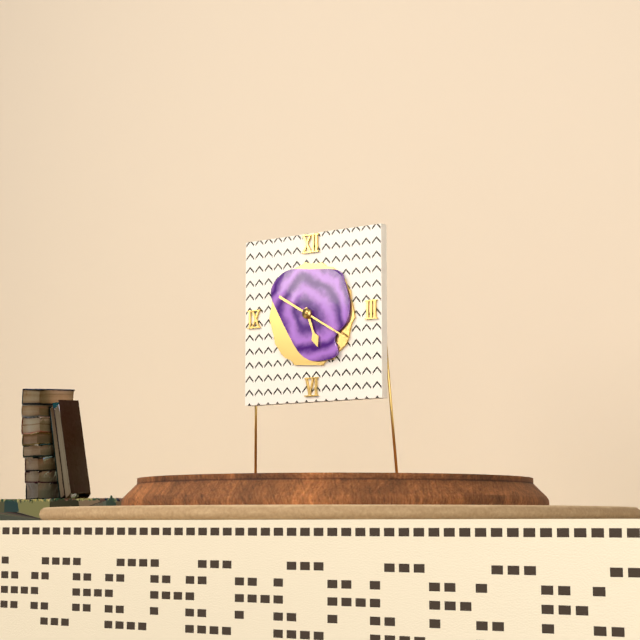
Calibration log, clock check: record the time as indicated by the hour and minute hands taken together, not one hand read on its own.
5:20
